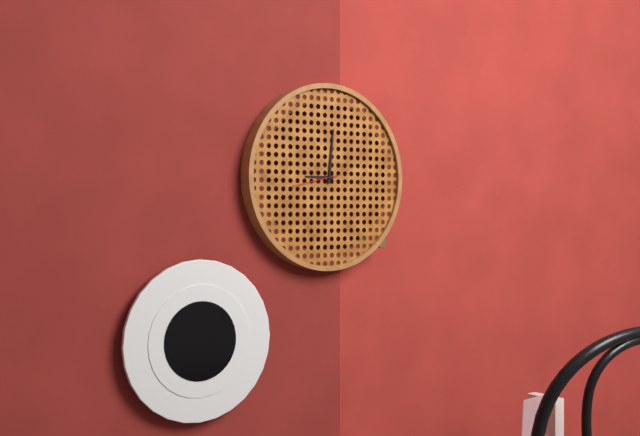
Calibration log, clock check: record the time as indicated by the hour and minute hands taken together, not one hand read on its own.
9:01
